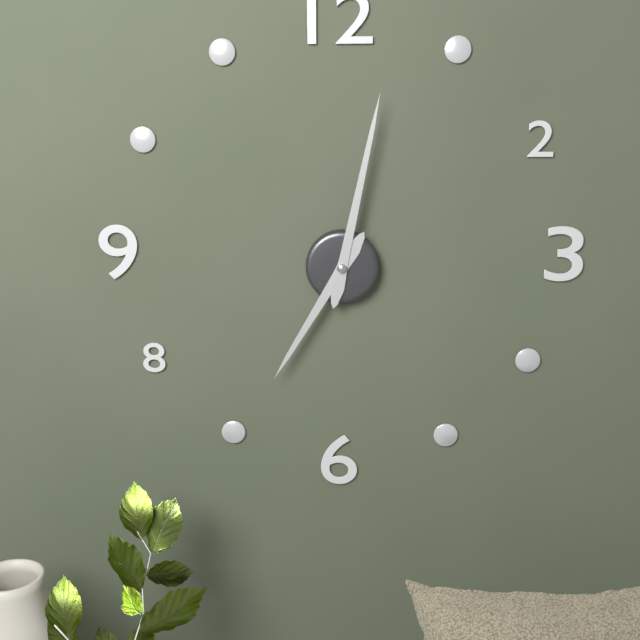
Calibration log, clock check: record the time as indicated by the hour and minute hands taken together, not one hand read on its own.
7:02
